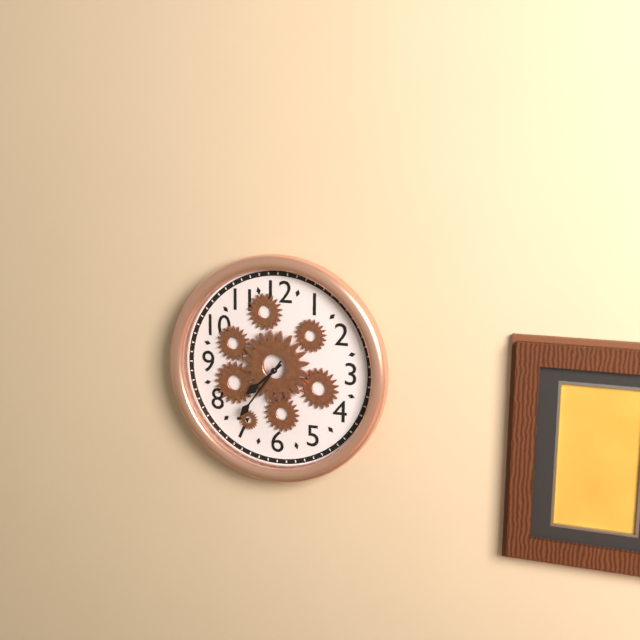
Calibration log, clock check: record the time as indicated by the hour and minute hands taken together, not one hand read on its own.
7:36
